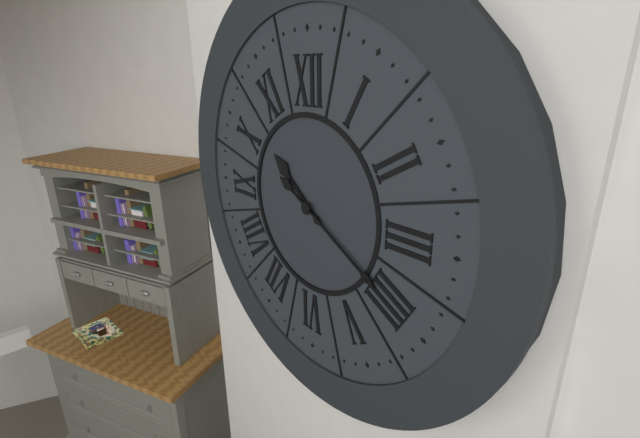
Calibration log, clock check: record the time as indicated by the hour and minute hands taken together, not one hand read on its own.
10:20
